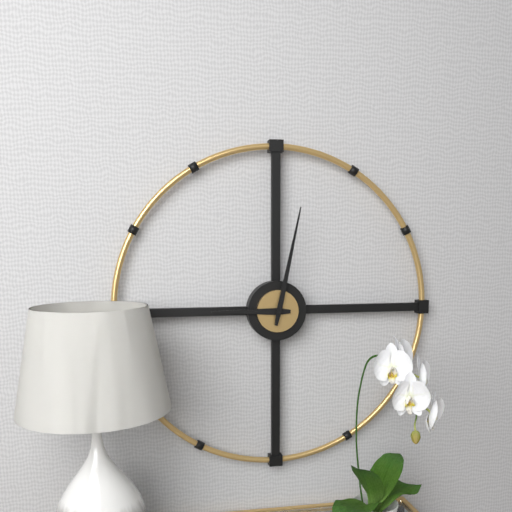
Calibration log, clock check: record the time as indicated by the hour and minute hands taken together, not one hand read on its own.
9:02
